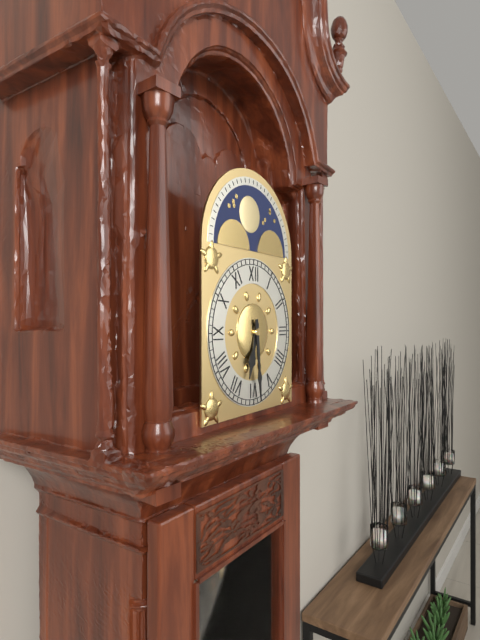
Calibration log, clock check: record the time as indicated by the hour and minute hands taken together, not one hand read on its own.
6:29
